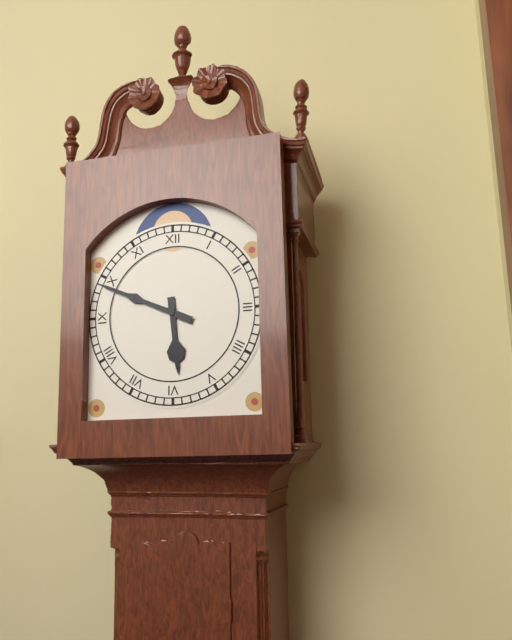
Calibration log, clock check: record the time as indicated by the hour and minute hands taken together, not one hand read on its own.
5:49
